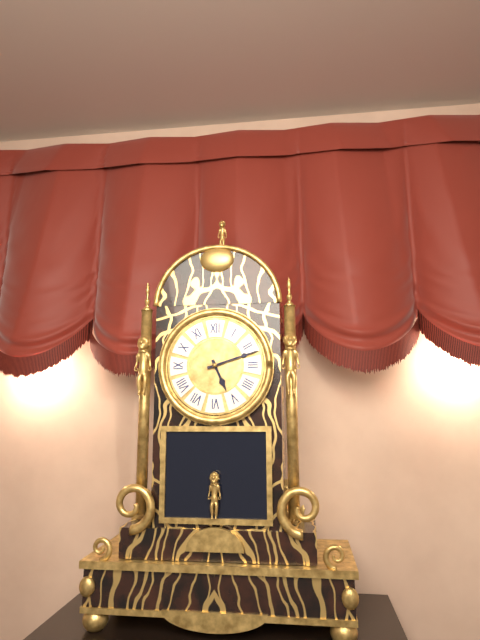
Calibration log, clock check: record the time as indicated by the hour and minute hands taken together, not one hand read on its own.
5:12
